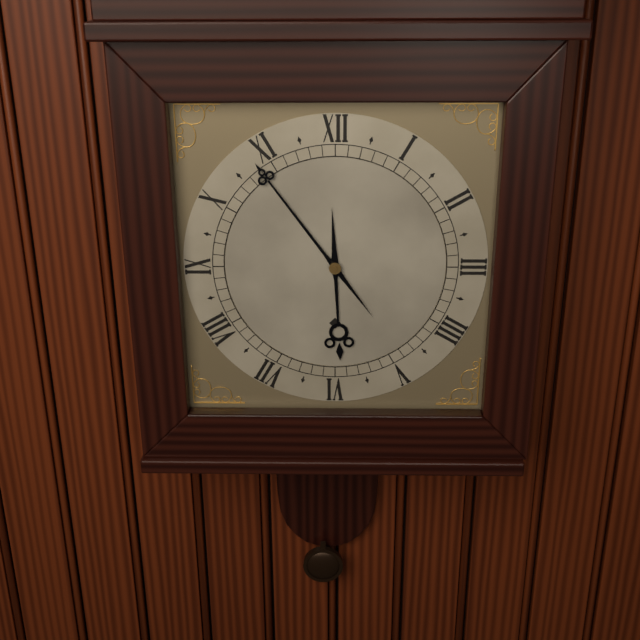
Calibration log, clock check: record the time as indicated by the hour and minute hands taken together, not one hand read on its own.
5:54
